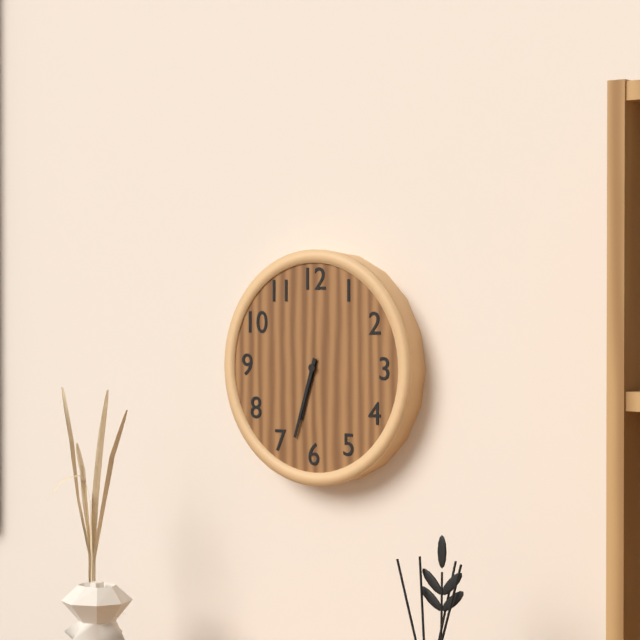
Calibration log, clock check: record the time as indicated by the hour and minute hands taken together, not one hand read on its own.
6:33
